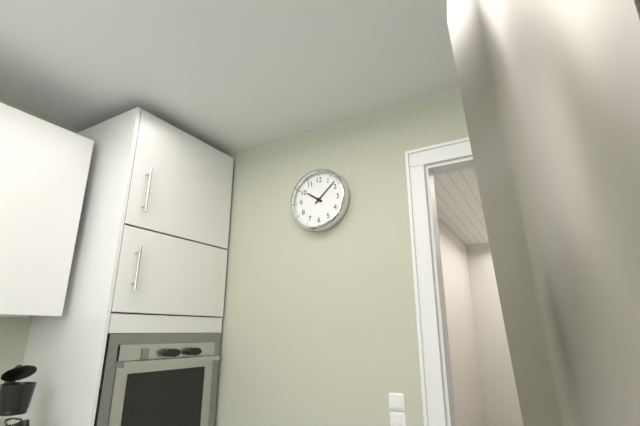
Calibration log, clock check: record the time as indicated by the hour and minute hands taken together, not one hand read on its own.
10:08
